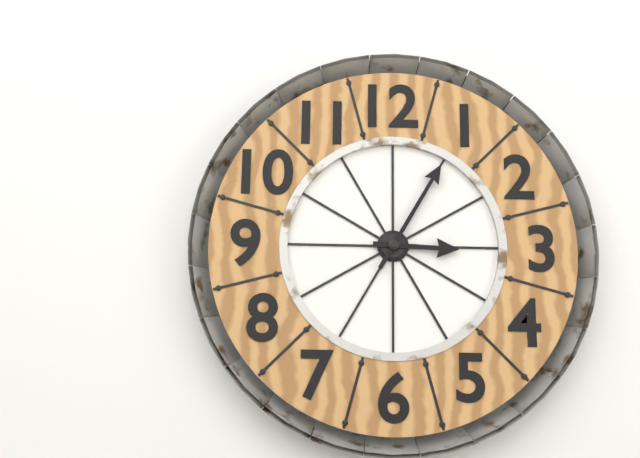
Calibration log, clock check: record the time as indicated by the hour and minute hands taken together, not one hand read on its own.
3:05
